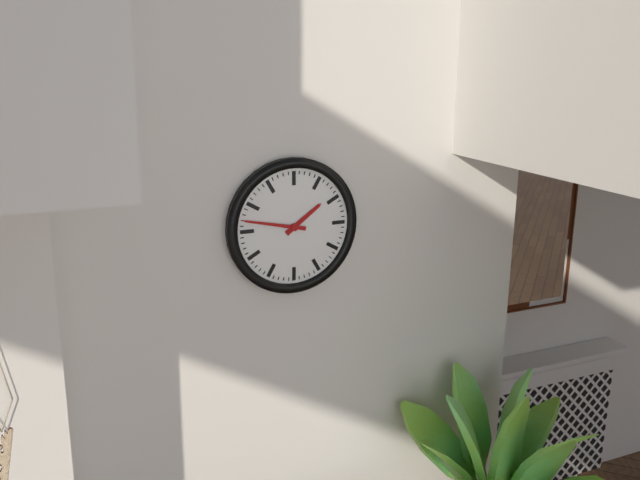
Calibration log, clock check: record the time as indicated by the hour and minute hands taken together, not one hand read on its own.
1:47
